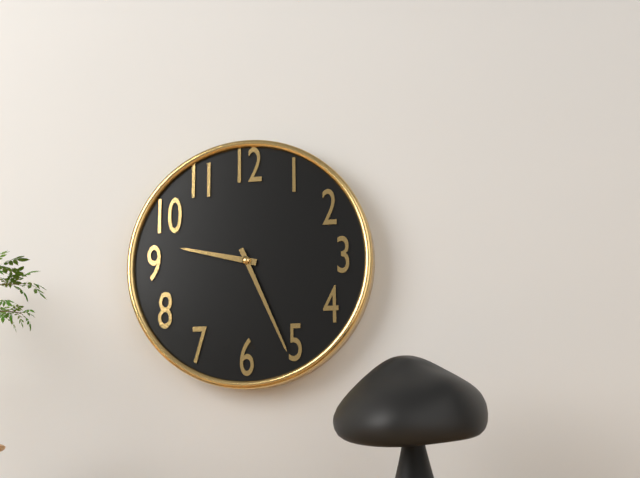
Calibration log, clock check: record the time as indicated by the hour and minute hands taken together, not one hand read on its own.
9:26
